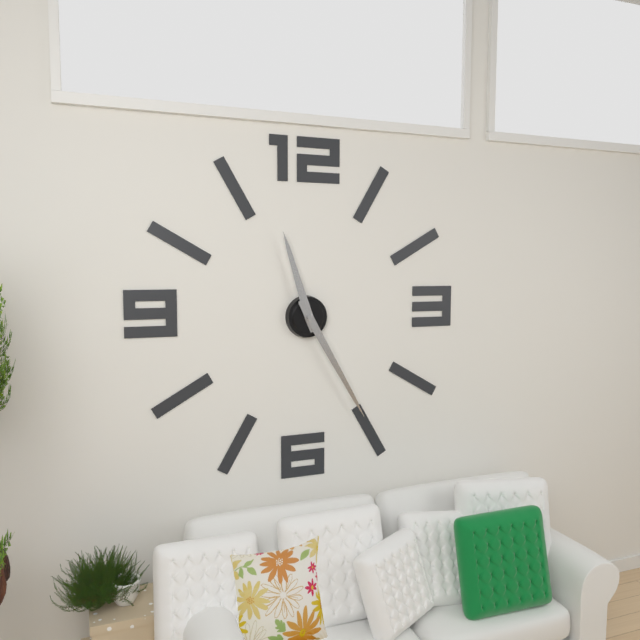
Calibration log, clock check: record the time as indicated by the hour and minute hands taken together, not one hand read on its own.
11:25
